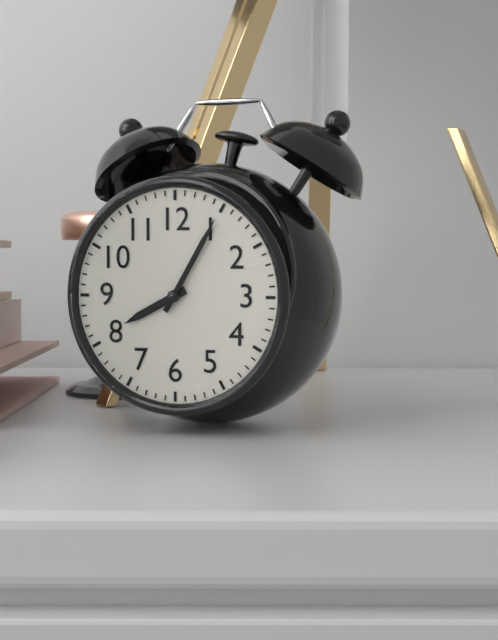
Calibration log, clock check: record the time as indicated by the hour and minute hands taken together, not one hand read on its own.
8:05
